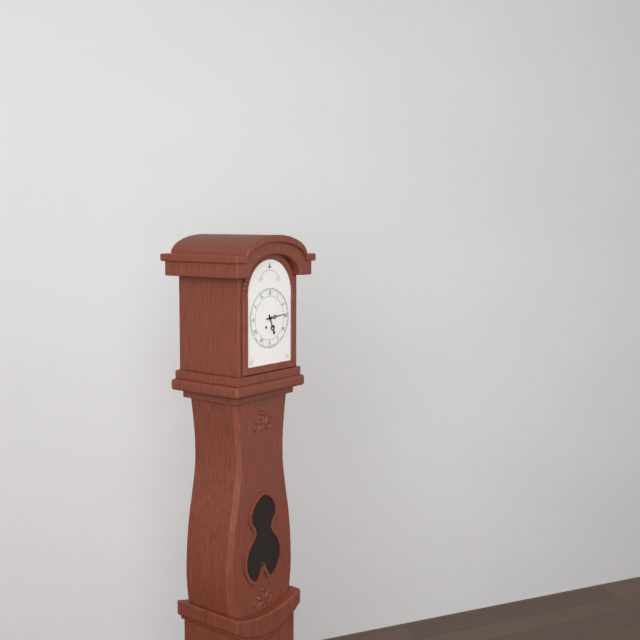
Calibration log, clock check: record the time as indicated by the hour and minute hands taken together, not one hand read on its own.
5:14
